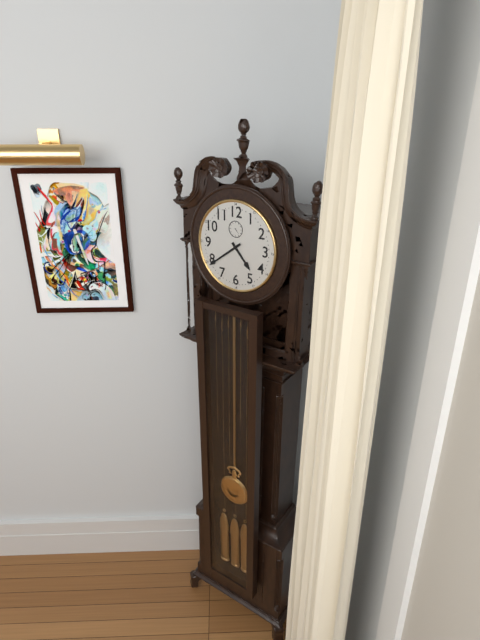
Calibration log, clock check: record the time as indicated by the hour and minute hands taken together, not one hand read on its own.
4:39
